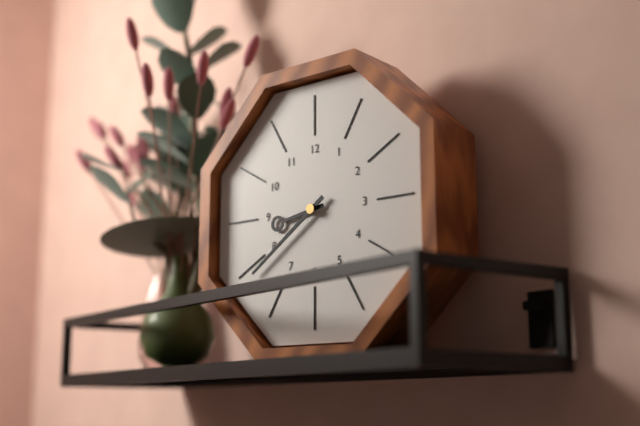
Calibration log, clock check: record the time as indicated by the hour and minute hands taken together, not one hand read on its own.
8:39
